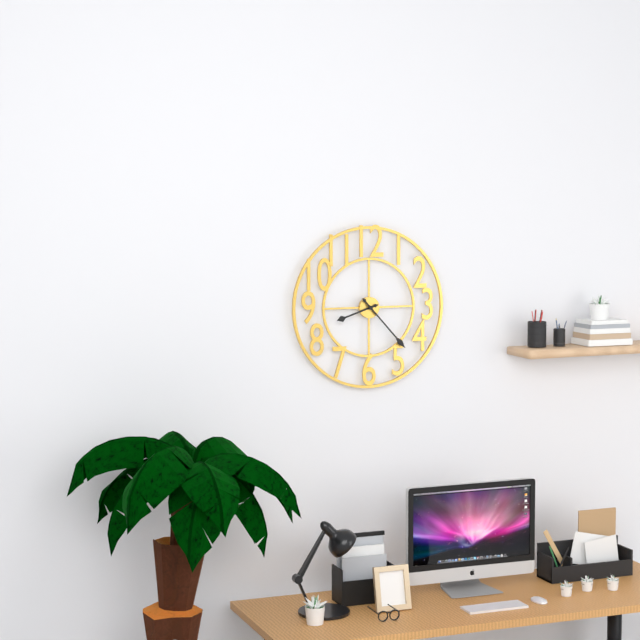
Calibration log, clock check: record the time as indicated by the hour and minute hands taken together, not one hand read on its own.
8:23
